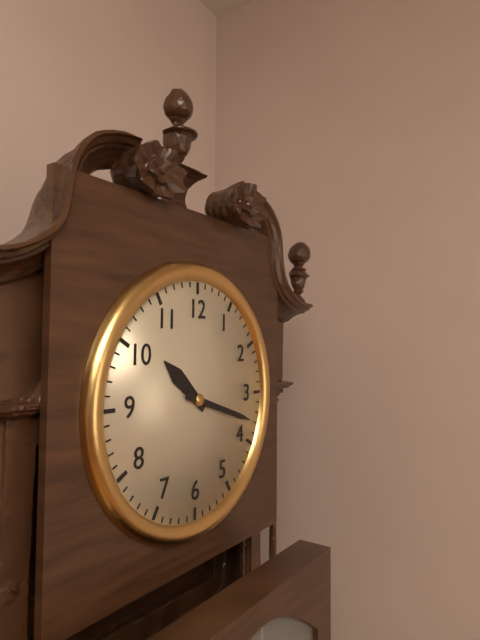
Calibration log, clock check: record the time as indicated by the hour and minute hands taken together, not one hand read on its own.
10:18
